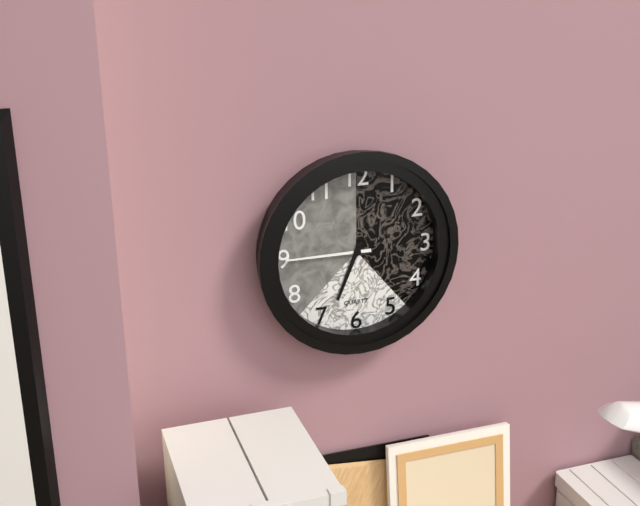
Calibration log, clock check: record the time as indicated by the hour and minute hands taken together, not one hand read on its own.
6:45
